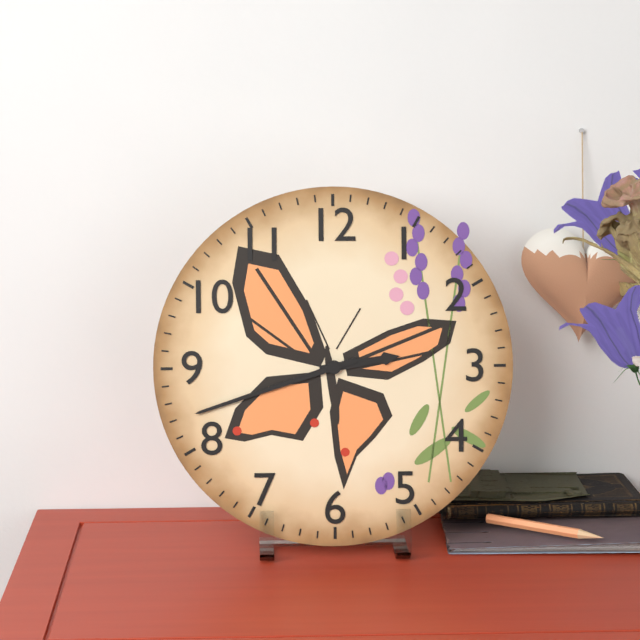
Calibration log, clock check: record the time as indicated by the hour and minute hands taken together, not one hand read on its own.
2:42
